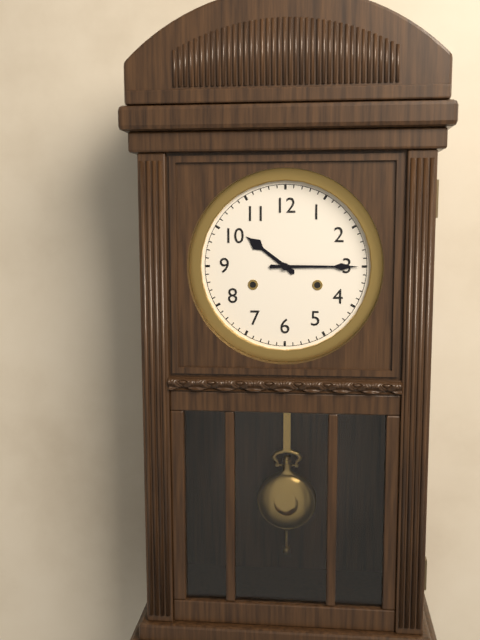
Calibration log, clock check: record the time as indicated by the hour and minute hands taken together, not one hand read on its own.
10:15
